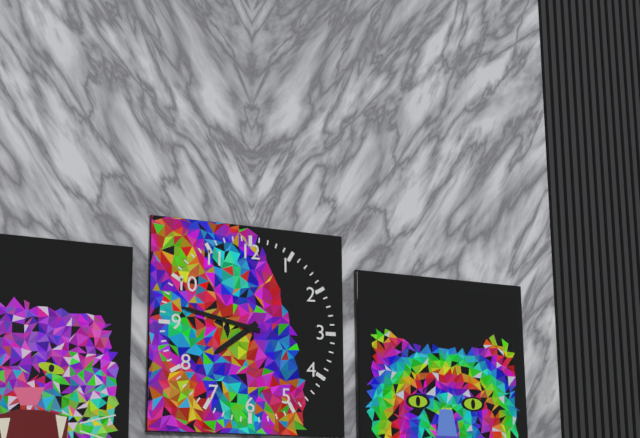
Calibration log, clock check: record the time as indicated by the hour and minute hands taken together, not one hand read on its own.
7:47
